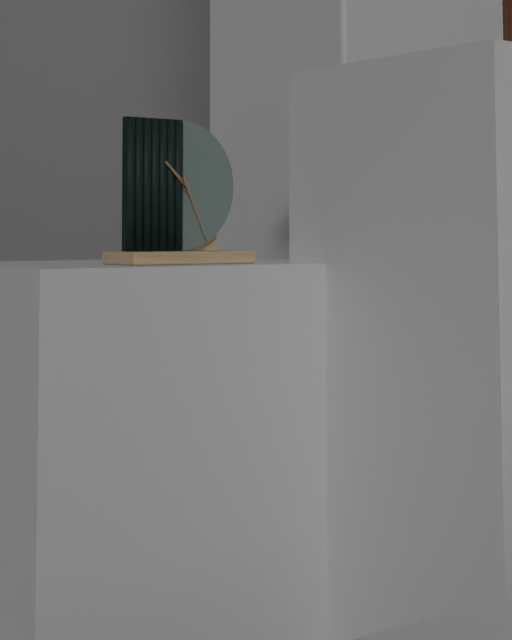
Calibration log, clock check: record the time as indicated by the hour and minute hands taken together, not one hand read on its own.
10:26
